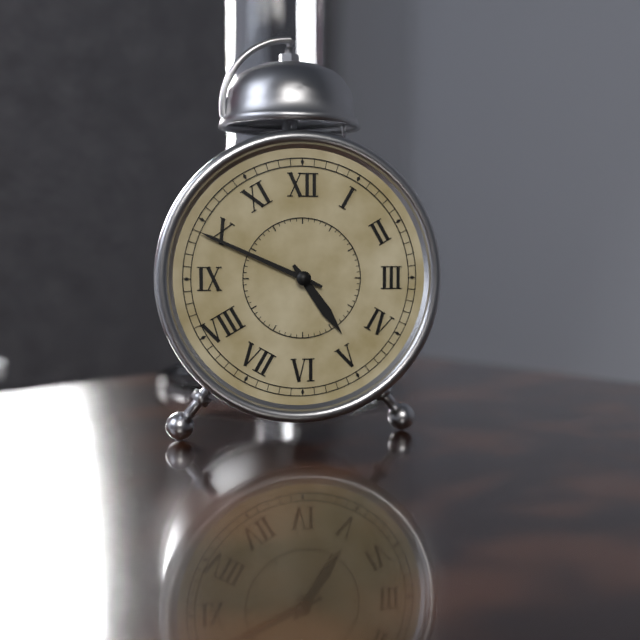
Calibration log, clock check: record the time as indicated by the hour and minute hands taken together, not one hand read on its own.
4:49
